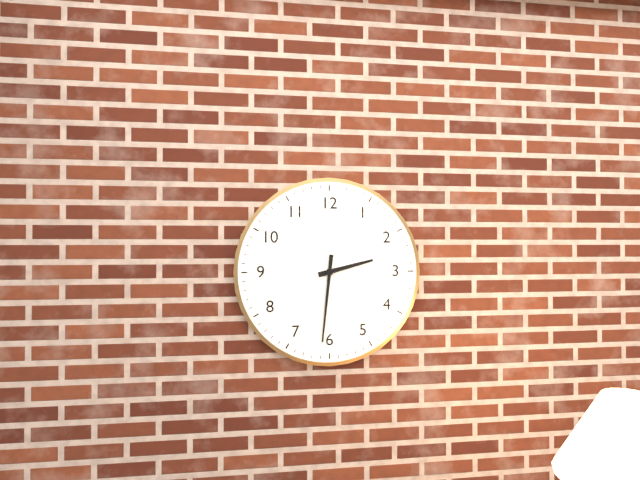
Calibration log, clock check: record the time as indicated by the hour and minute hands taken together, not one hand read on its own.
2:31
